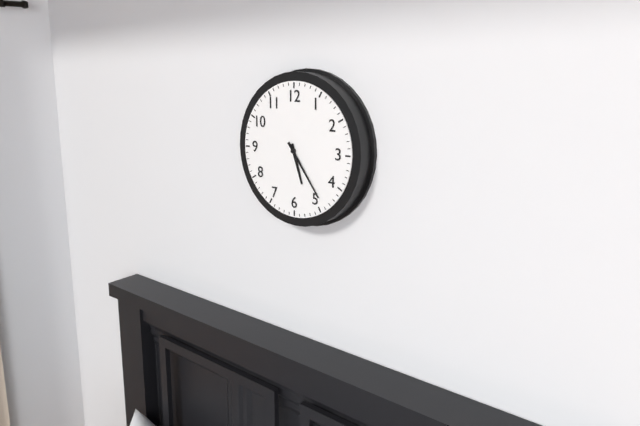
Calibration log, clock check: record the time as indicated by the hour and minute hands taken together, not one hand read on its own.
5:24
